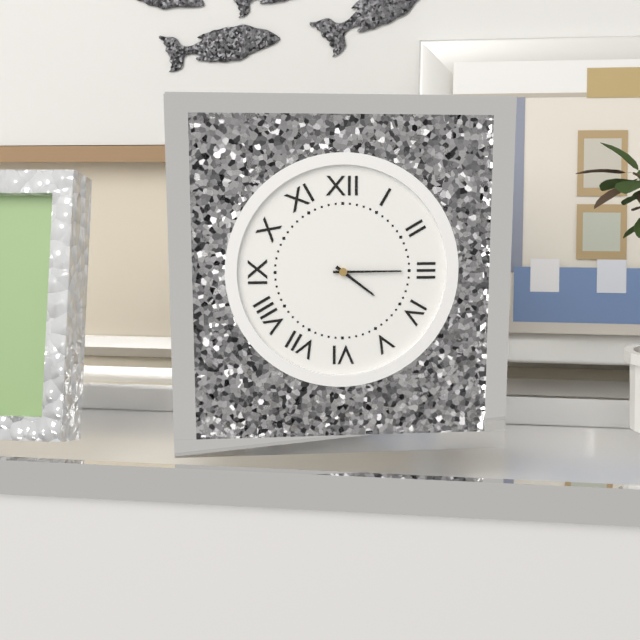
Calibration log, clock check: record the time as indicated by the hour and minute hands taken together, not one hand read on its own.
4:15
